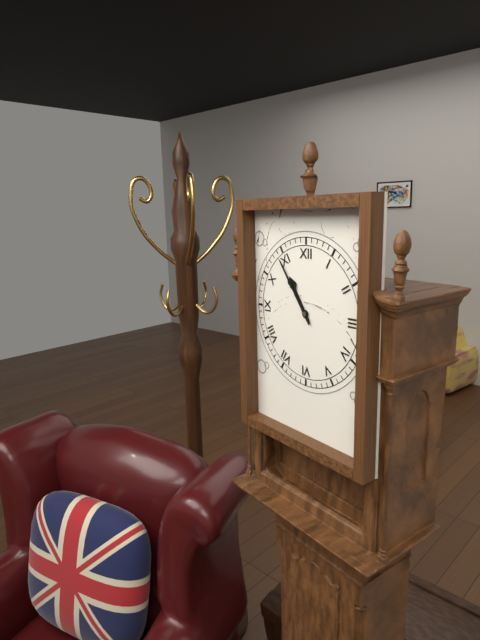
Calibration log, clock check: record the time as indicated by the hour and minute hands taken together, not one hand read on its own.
10:54
